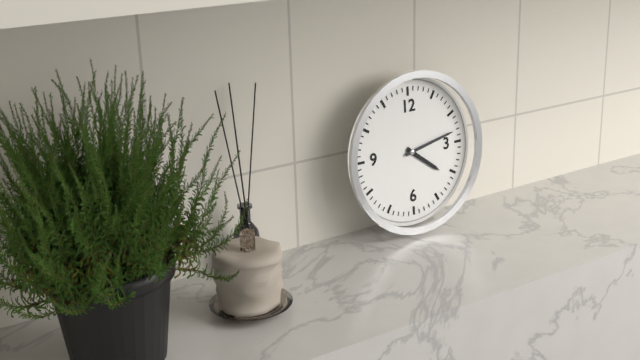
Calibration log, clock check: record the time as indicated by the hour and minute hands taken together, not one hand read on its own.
4:13
